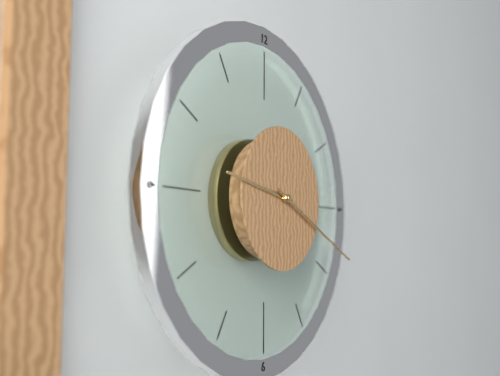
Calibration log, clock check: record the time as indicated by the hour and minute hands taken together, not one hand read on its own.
9:19
